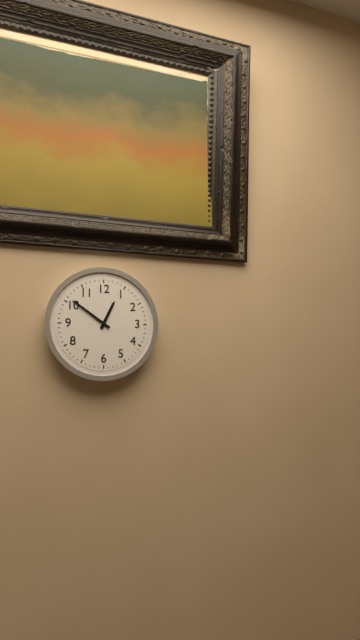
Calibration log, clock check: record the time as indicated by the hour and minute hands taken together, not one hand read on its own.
12:51
